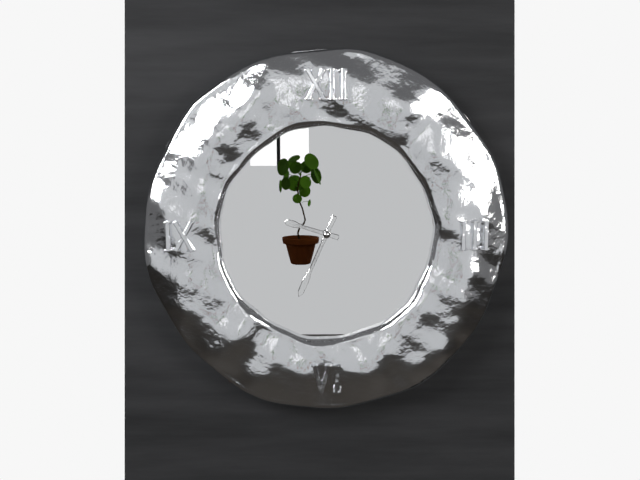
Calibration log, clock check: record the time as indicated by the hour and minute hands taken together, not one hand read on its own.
9:34
